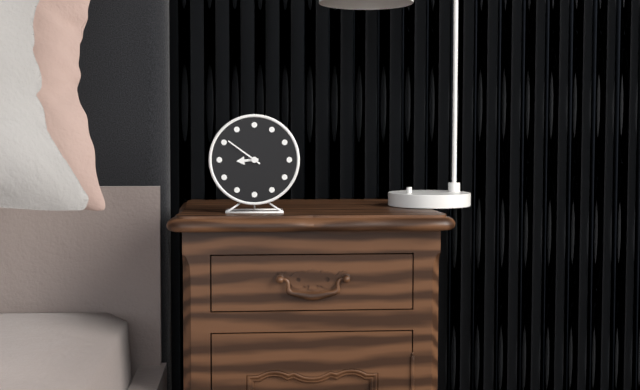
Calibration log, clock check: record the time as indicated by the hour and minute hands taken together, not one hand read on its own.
8:51
